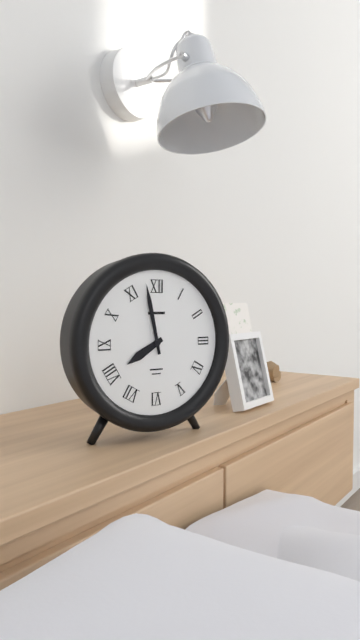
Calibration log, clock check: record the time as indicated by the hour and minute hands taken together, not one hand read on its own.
7:58
